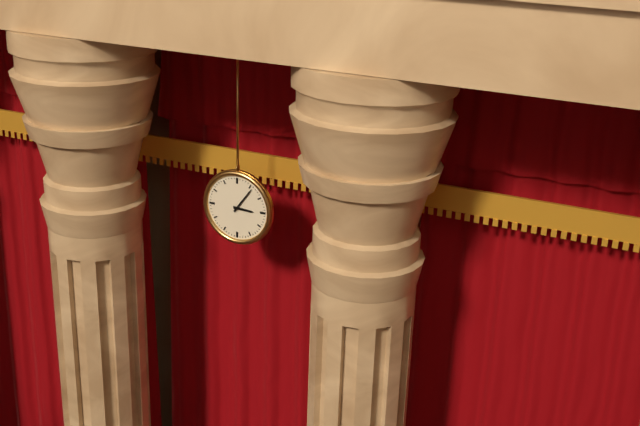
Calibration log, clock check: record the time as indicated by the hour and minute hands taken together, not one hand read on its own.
3:06
